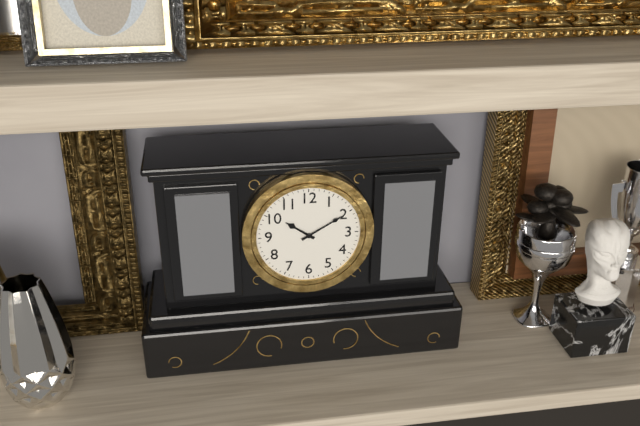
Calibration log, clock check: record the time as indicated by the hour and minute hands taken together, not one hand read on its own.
10:10
